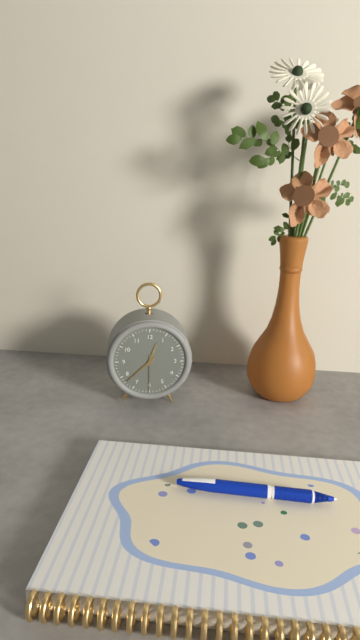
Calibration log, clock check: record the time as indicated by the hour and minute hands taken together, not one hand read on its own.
12:38
